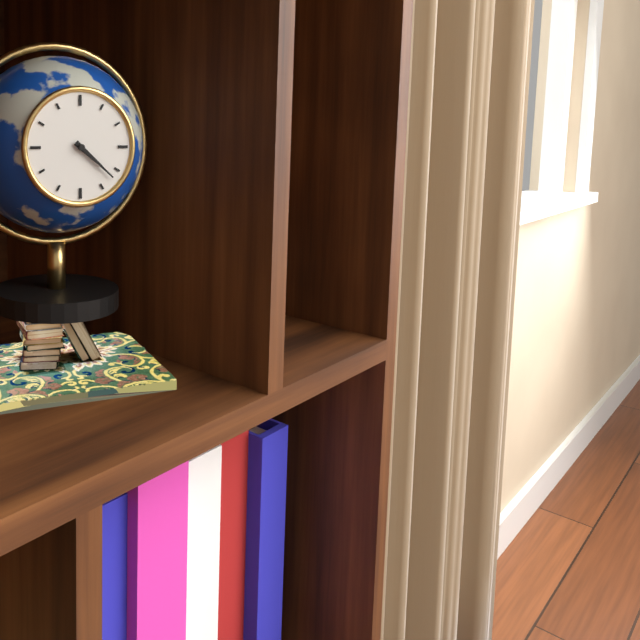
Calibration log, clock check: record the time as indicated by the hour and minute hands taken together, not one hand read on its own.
4:22
